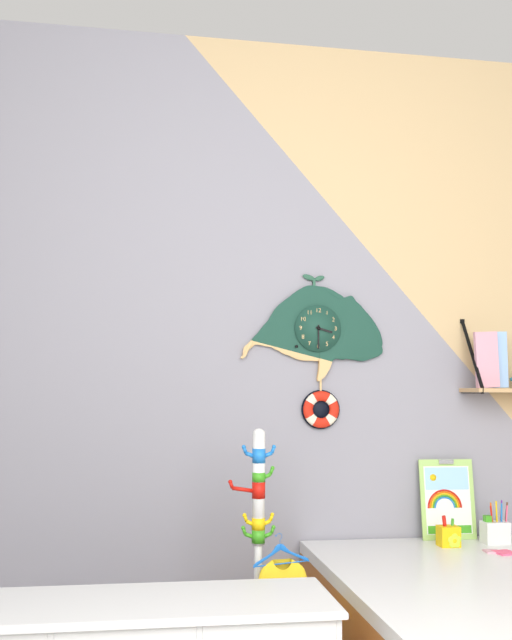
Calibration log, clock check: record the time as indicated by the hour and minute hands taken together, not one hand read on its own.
3:30
